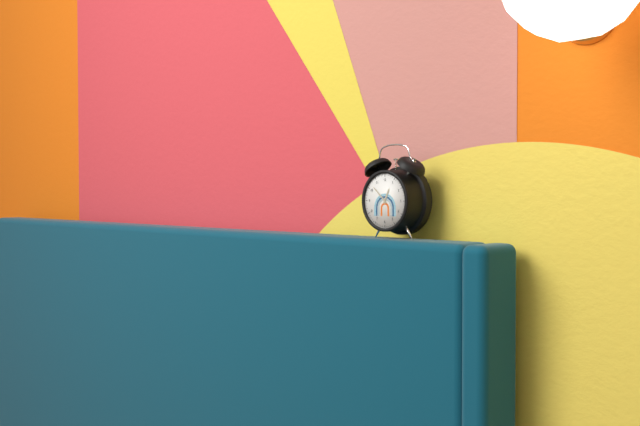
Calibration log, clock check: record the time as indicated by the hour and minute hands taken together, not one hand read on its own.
12:52
